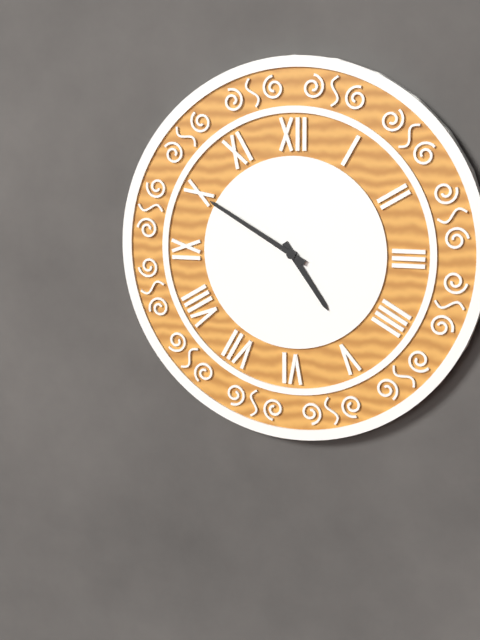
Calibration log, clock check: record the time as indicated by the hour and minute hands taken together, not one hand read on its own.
4:50
